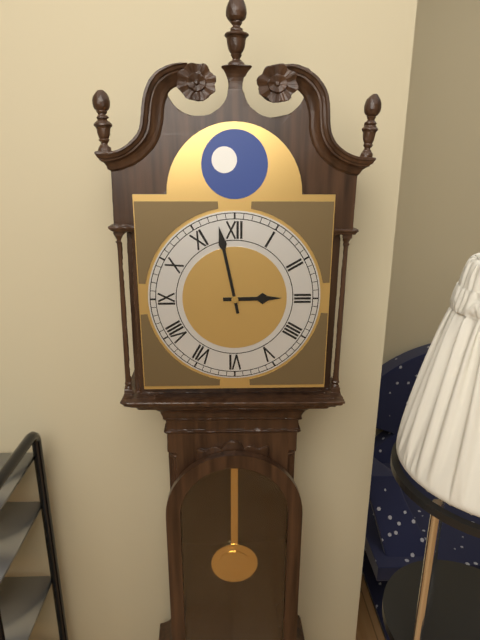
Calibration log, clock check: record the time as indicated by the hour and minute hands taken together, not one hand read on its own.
2:58
